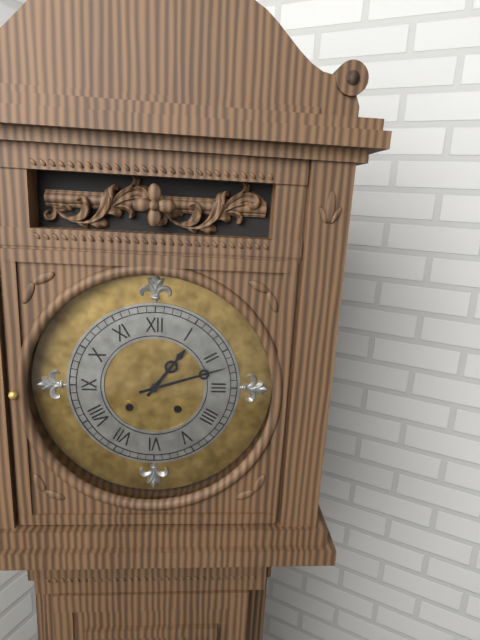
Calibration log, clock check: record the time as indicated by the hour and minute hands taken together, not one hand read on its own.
1:12
